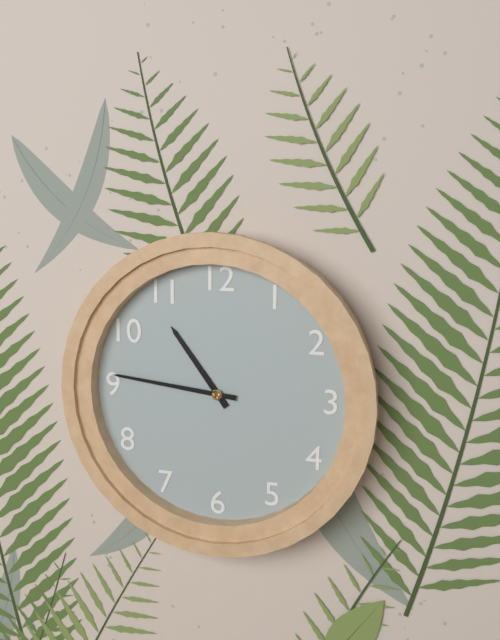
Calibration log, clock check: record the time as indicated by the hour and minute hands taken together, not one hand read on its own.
10:46
